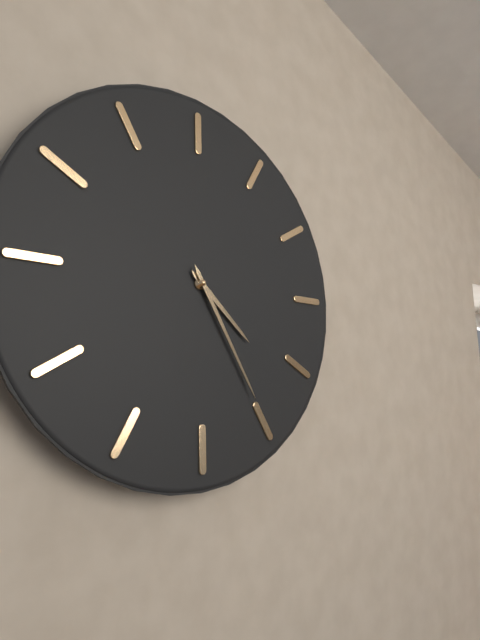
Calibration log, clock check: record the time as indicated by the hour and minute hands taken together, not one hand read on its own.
4:25
